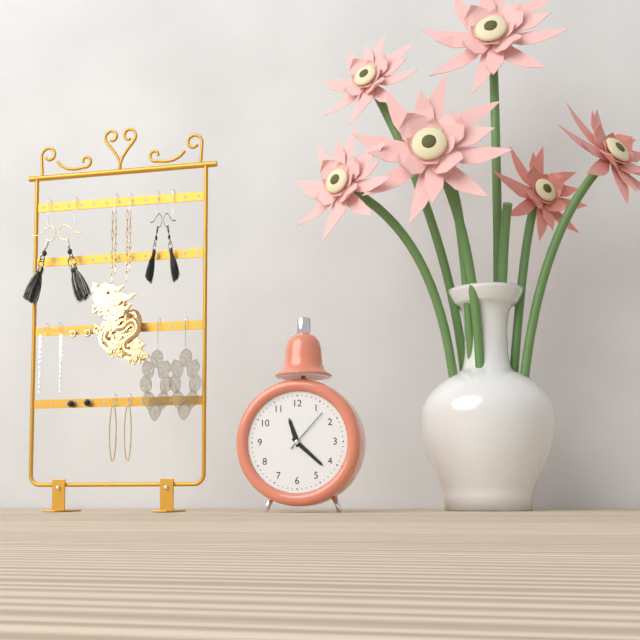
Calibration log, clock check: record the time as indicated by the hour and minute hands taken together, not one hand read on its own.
11:22
